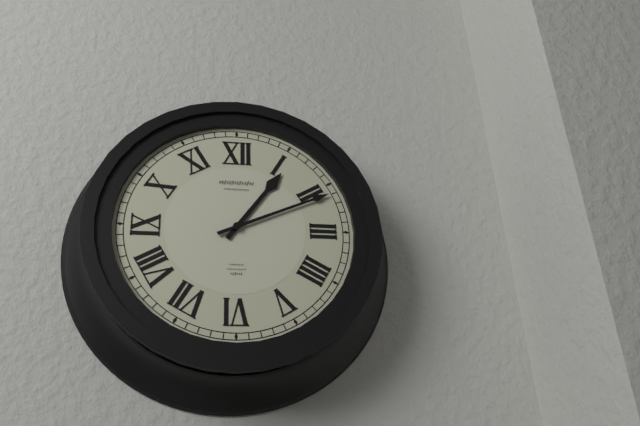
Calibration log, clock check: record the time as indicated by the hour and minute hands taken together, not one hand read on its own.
1:11
